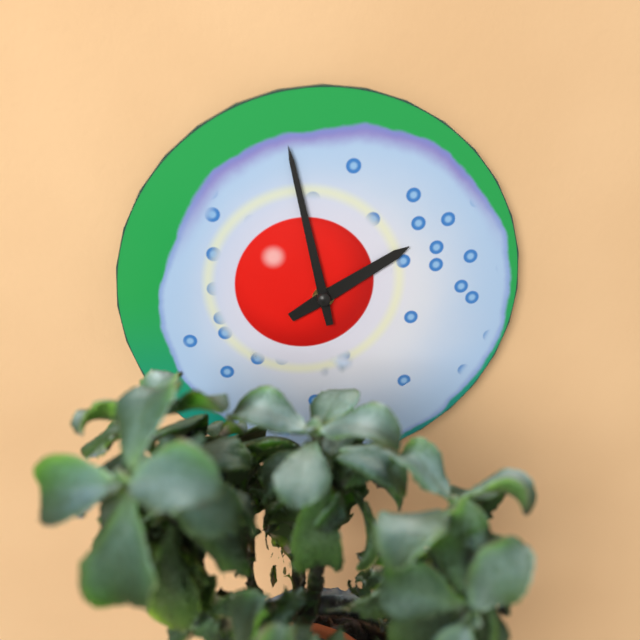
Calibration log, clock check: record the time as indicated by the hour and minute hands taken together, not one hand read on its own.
1:58
